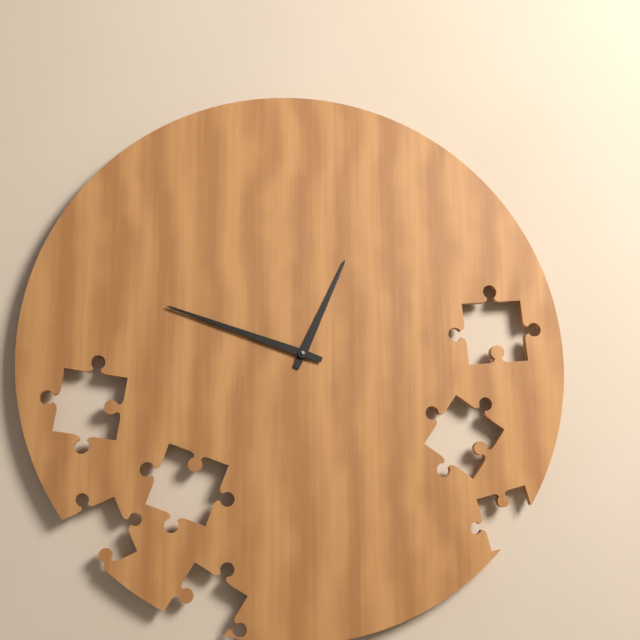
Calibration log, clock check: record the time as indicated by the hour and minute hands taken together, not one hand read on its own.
12:48
